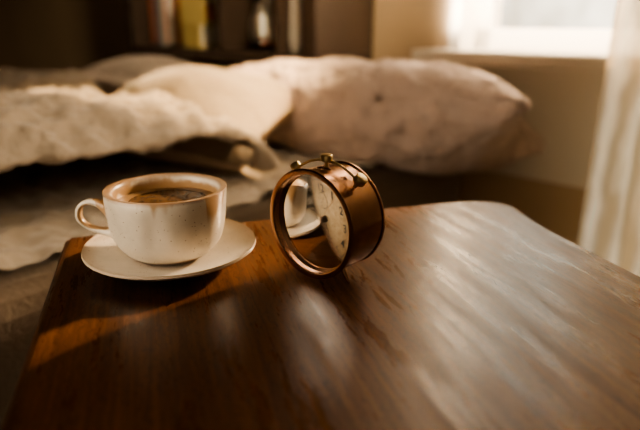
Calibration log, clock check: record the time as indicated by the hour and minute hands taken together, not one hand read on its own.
5:38
